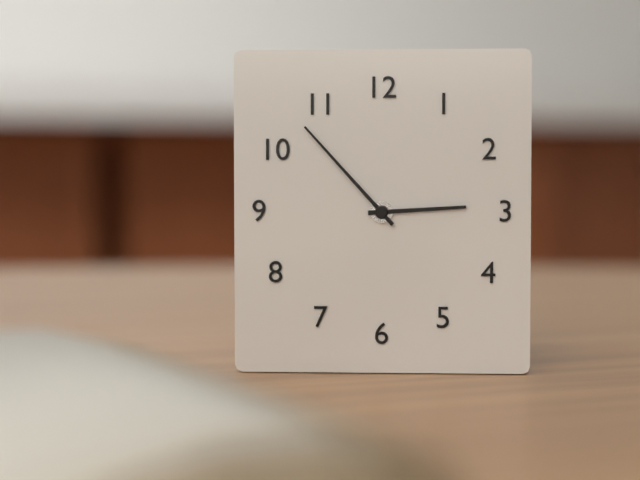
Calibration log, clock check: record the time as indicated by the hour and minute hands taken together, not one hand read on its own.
2:53
